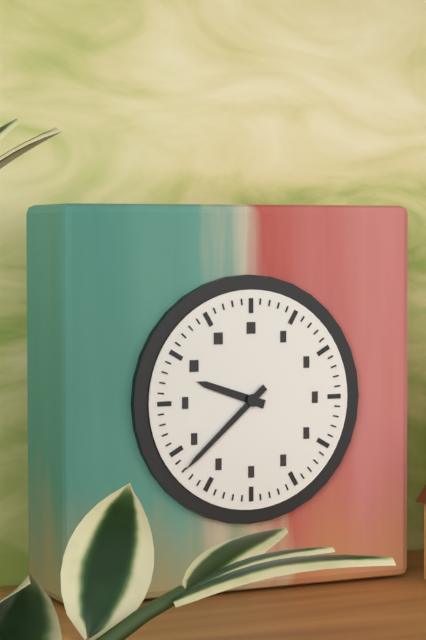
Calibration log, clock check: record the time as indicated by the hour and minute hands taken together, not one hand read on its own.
9:38
